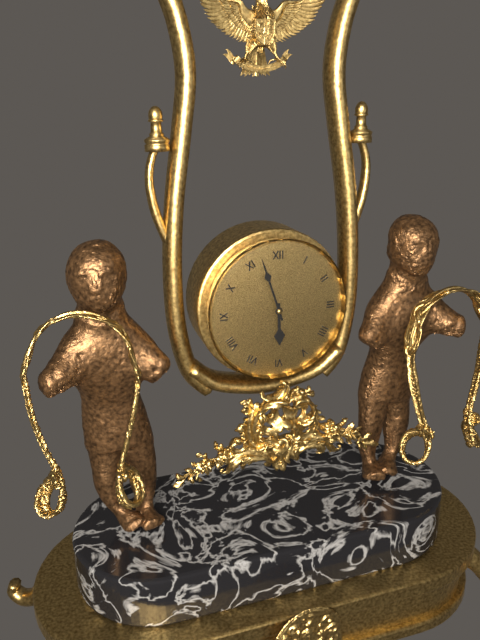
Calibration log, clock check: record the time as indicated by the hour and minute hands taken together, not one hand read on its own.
5:57
